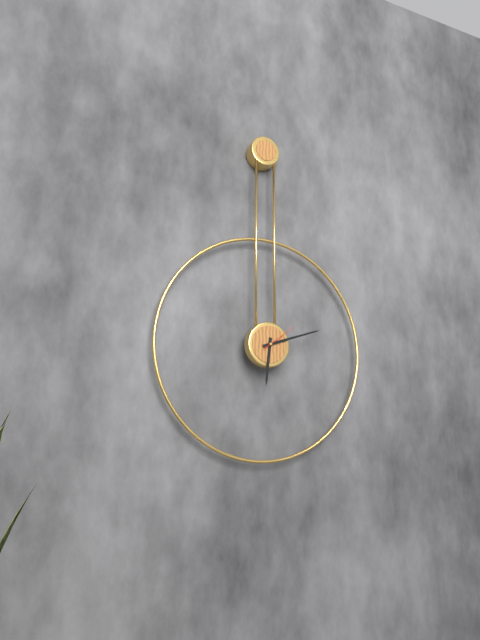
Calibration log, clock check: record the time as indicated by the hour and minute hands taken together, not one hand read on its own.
6:12
